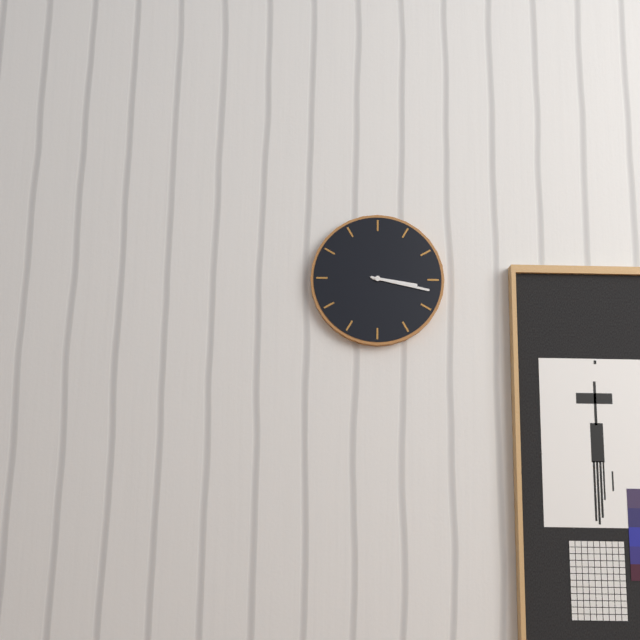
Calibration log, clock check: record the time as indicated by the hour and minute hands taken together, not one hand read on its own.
3:17
